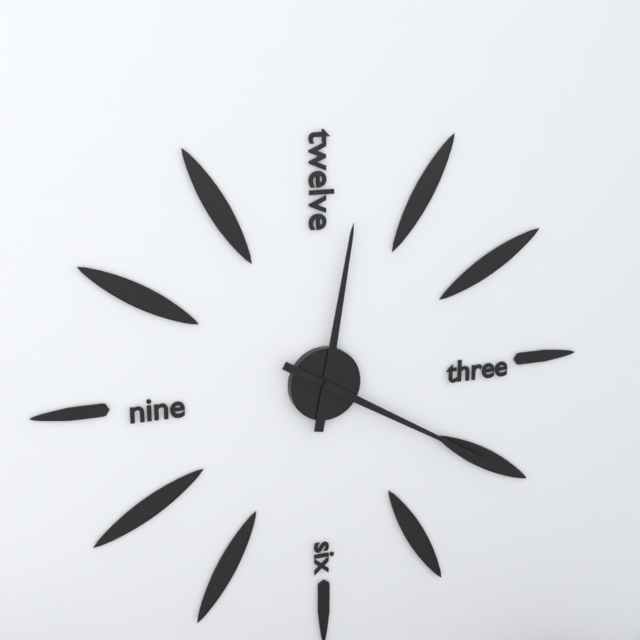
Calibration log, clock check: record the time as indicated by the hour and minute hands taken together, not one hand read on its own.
12:20
